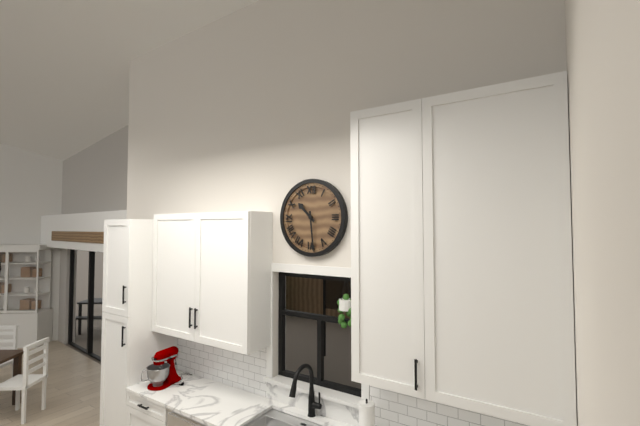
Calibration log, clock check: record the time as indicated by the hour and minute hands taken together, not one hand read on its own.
10:29
